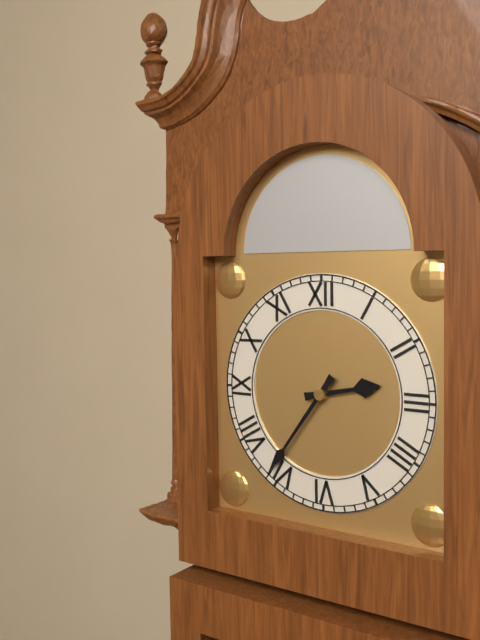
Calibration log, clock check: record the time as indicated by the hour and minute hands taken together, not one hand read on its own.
2:36
